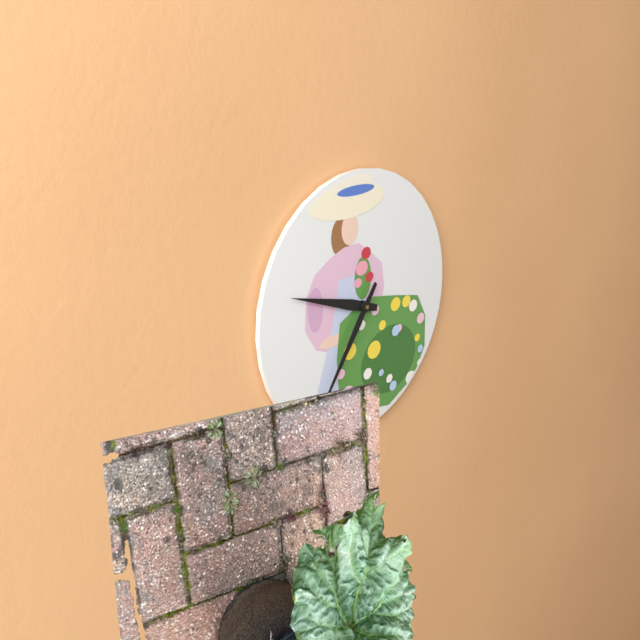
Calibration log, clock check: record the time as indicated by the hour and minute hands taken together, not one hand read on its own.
9:36
